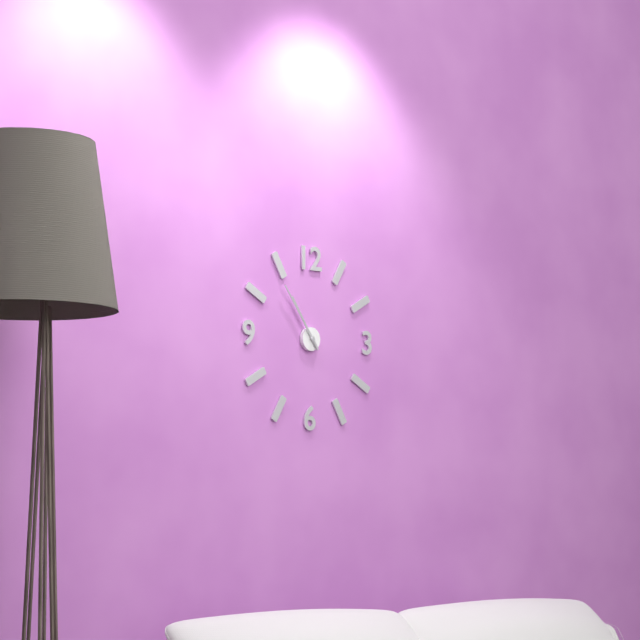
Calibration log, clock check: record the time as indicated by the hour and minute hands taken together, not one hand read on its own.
10:54
